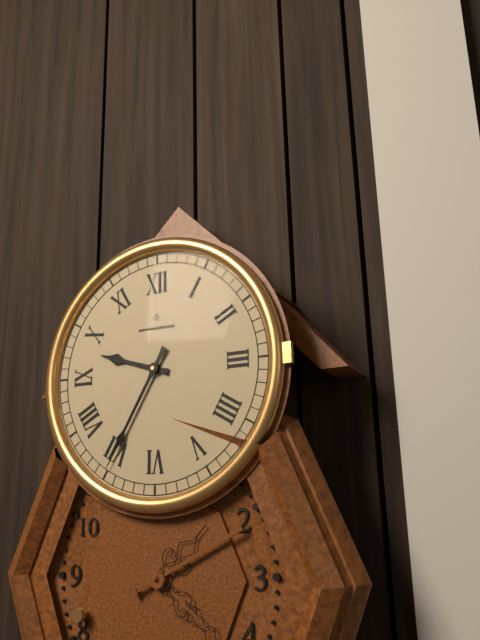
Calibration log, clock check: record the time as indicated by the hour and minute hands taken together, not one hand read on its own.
9:35
